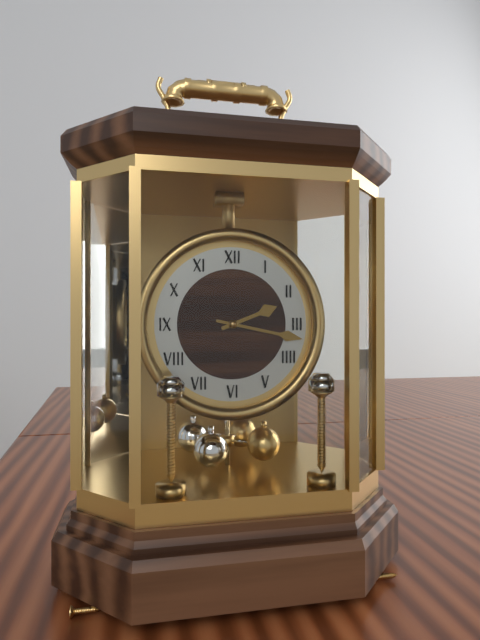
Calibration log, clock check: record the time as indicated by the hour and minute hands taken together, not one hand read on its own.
2:17
